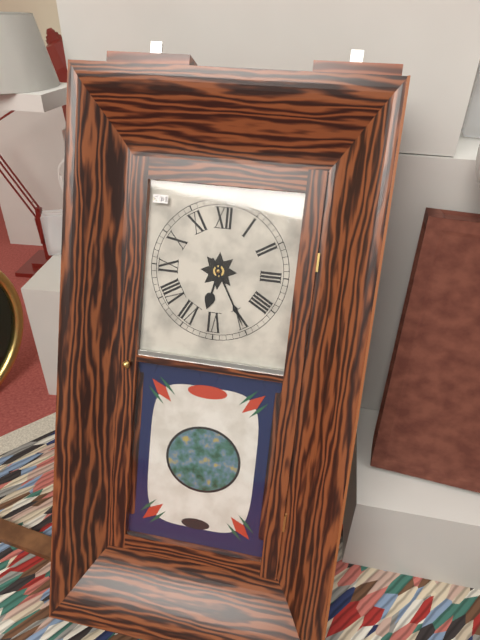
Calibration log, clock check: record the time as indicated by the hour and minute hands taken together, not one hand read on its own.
6:25
